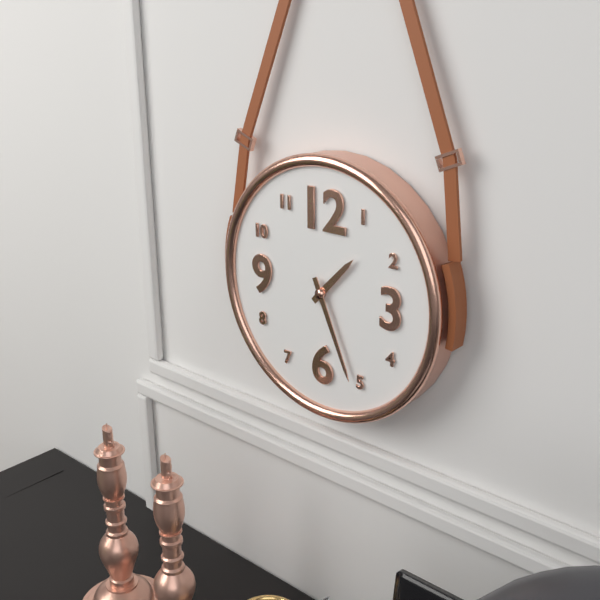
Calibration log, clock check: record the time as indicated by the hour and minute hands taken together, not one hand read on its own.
1:26
